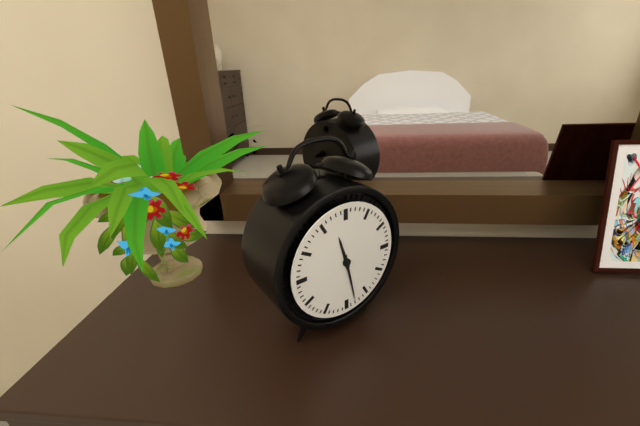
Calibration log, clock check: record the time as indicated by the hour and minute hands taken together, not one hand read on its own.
11:28
